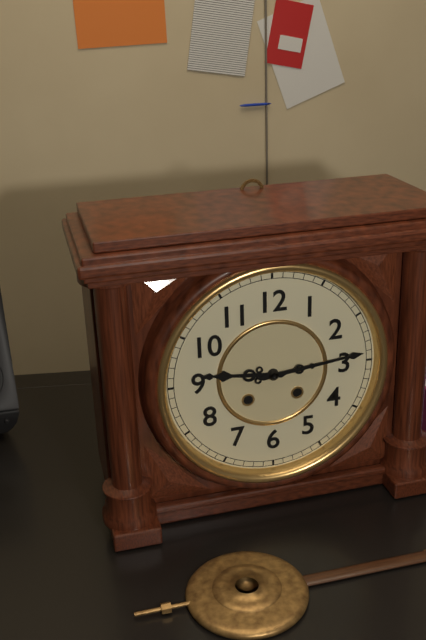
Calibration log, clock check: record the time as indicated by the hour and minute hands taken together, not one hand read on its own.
9:14
